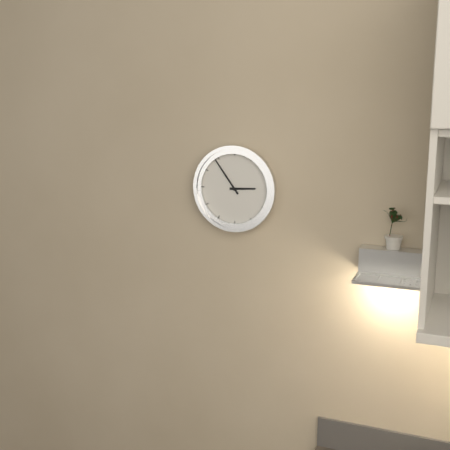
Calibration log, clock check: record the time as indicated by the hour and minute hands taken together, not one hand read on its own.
2:54
